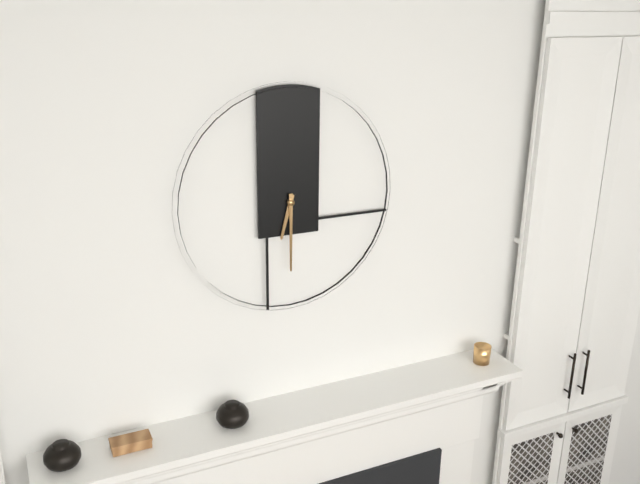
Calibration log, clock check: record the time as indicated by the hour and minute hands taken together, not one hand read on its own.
6:30
